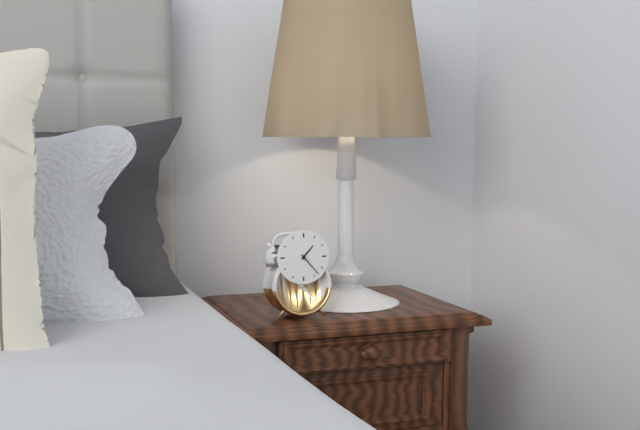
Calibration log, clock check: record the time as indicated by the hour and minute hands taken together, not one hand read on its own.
1:23
